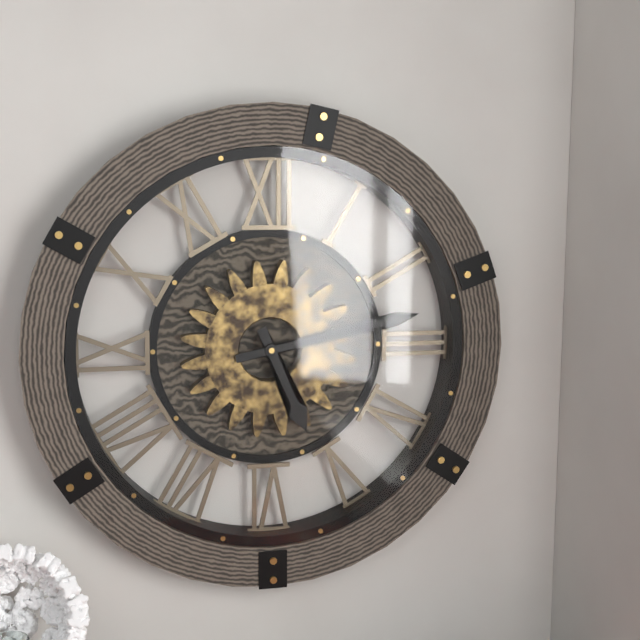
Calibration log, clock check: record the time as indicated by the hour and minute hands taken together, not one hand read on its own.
5:13
